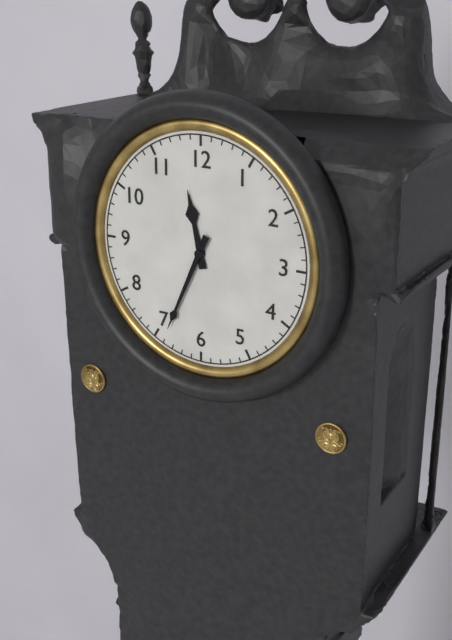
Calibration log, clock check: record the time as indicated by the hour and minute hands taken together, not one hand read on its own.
11:34
